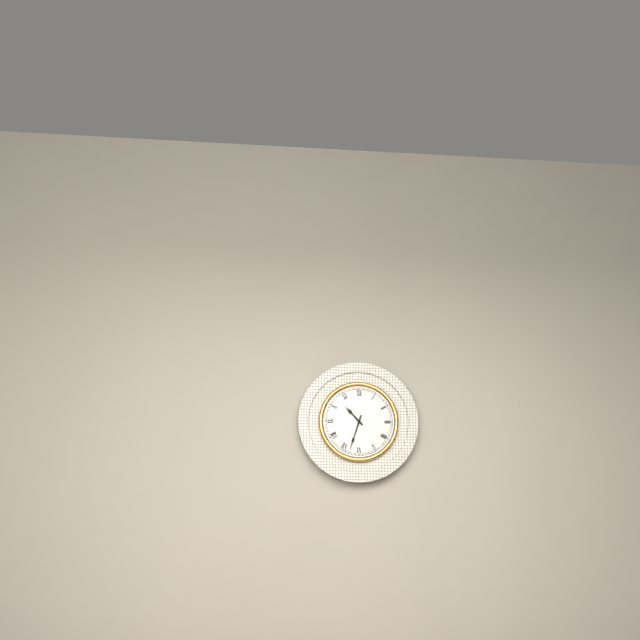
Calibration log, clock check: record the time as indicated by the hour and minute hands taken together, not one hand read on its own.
10:33
